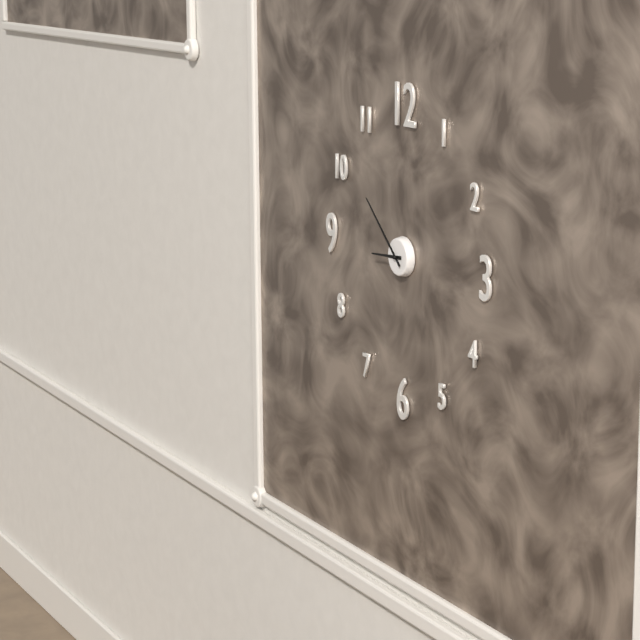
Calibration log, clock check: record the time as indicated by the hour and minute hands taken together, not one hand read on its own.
8:52
